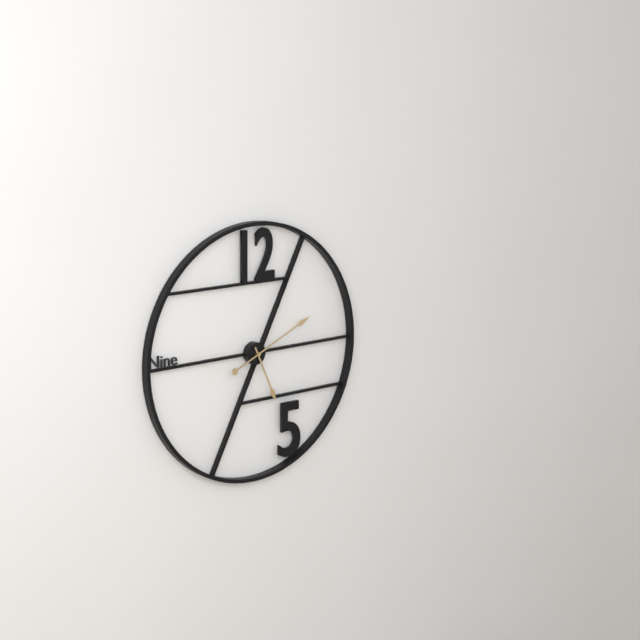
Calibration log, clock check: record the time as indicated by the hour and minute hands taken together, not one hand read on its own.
5:11
